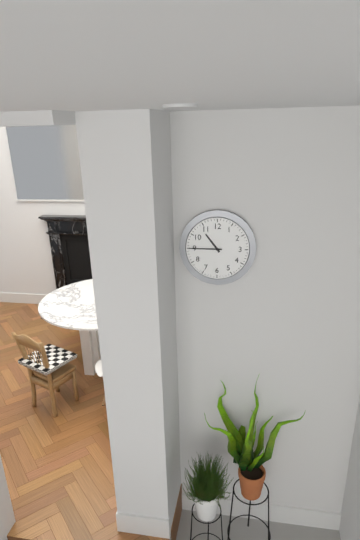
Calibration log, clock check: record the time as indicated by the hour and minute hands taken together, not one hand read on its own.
10:45
